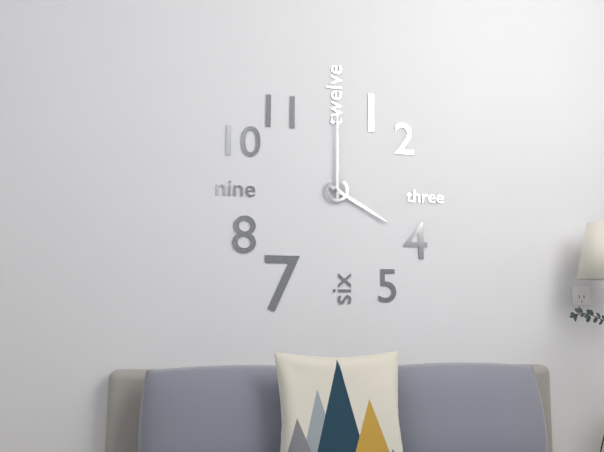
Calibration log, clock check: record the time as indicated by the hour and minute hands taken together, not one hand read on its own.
4:00
